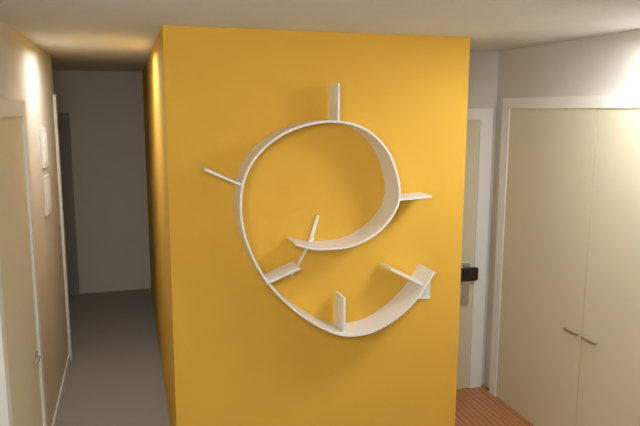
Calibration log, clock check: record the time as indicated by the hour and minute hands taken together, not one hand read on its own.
12:35
